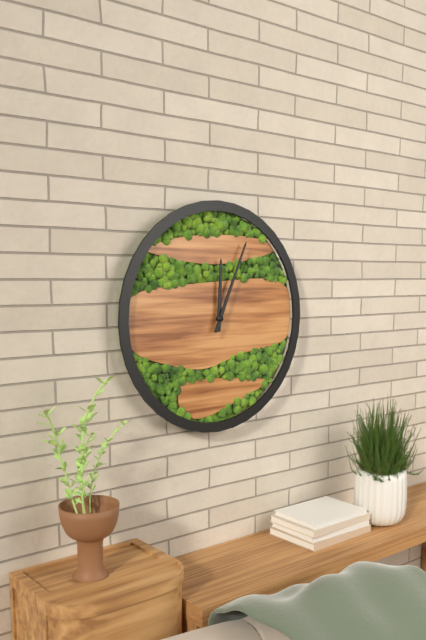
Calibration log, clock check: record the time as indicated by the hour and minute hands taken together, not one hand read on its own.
12:04
